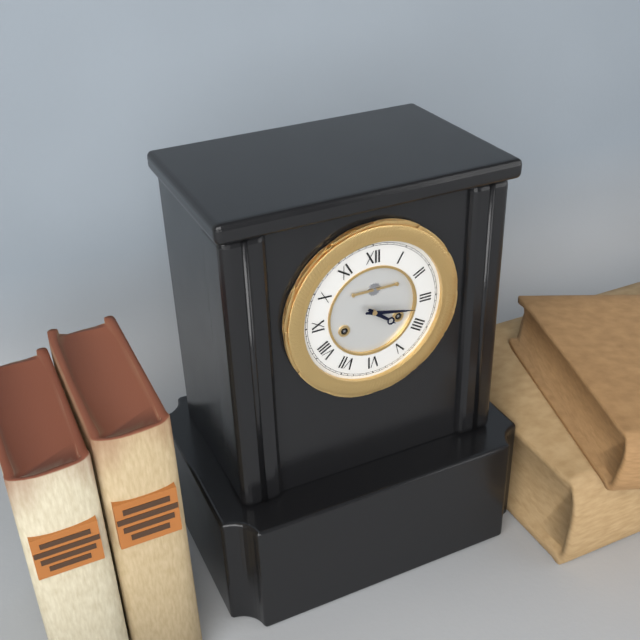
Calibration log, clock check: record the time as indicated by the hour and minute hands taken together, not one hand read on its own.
4:17
